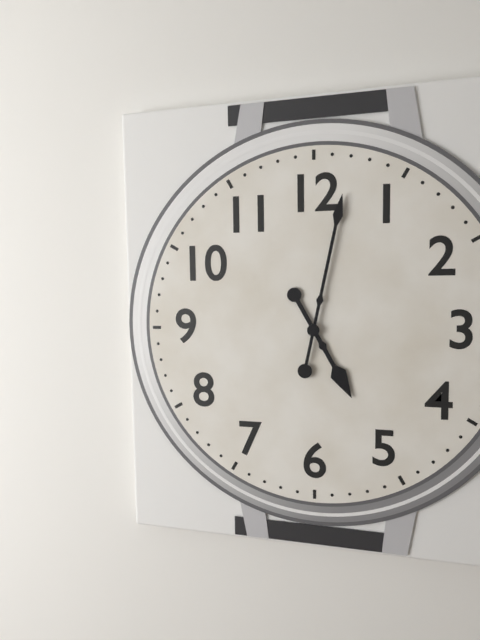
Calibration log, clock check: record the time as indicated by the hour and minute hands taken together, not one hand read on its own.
5:02
